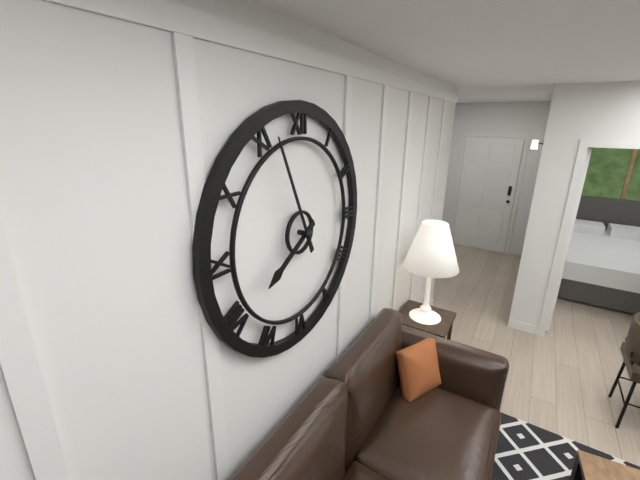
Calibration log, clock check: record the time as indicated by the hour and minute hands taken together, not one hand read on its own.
7:56
